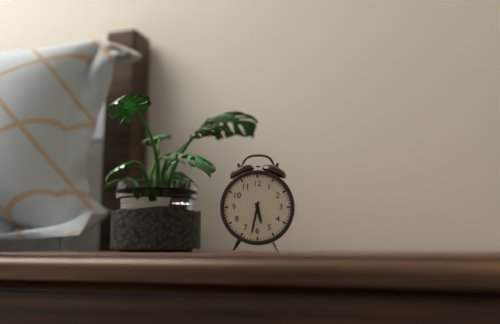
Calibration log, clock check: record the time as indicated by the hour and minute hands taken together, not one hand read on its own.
5:32
